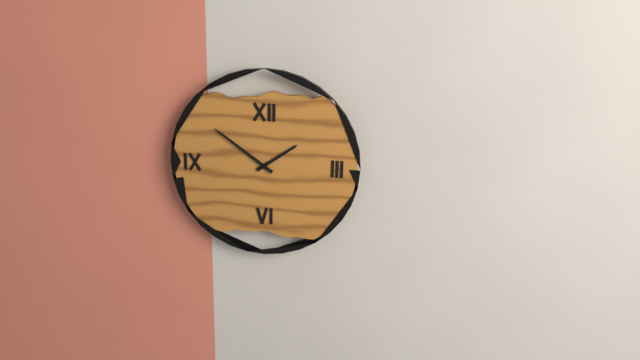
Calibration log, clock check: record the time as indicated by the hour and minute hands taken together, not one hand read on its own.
1:51
